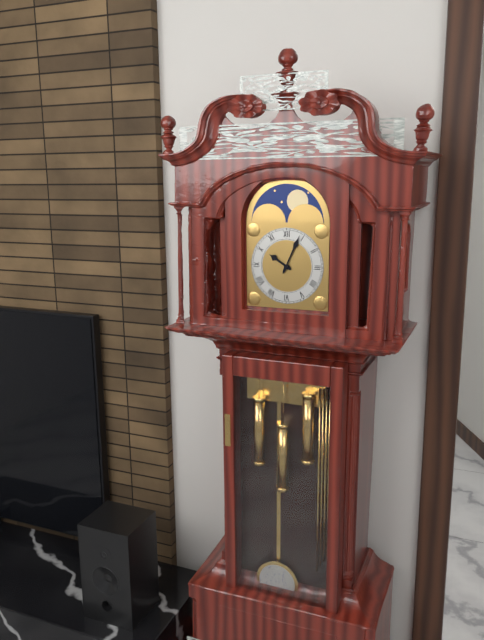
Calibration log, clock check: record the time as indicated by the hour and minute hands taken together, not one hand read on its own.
10:04
